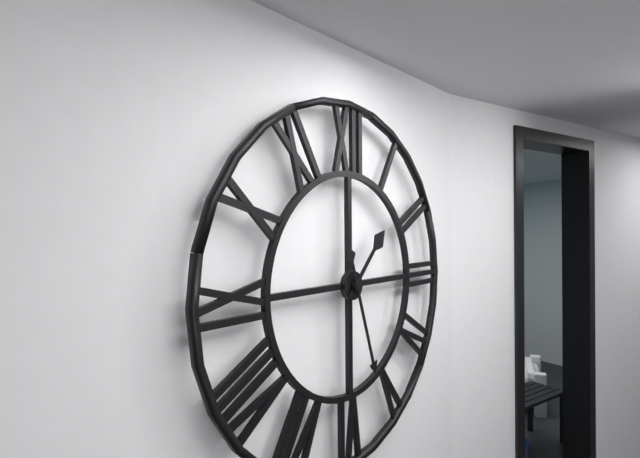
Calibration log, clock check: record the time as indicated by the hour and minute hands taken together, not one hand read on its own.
1:27
